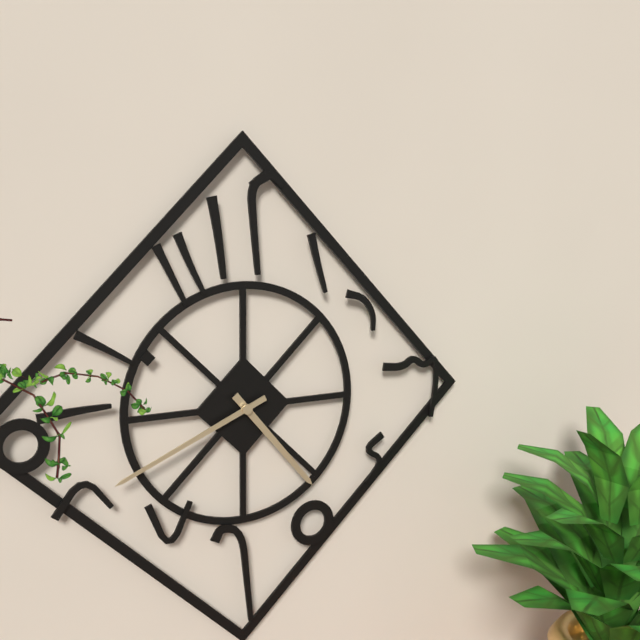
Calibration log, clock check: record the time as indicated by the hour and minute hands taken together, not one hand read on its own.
4:41
